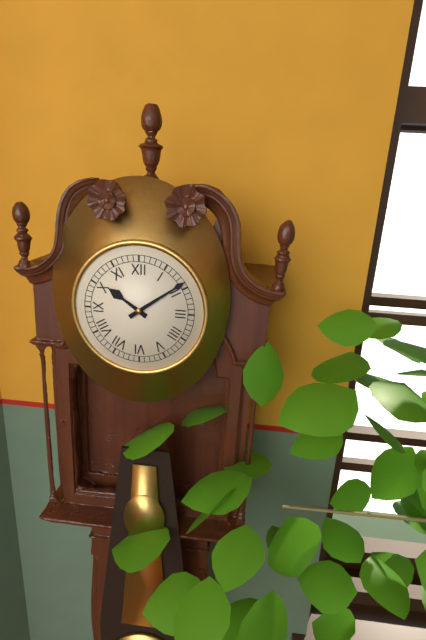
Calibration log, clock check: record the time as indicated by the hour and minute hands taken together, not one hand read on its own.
10:09
